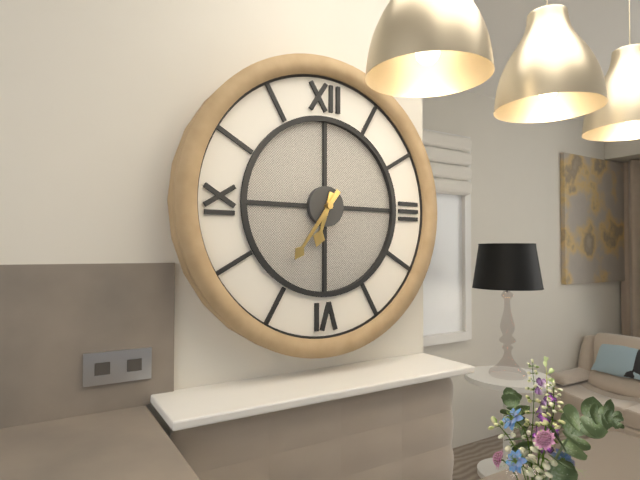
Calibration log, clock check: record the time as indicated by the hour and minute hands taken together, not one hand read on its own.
6:36
